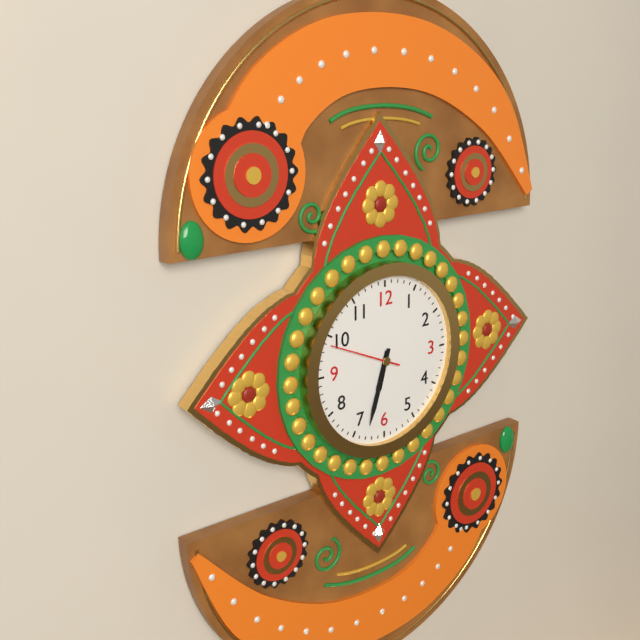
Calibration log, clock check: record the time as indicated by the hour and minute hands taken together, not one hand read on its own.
6:33
